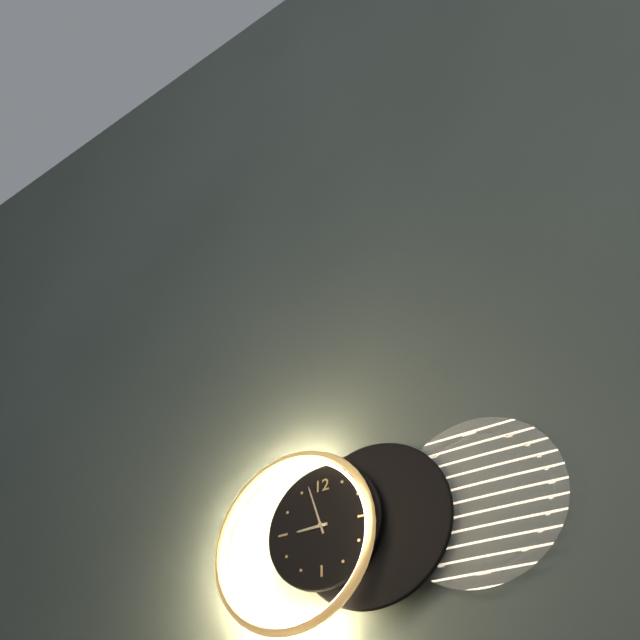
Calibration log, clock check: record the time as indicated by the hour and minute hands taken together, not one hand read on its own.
8:57
